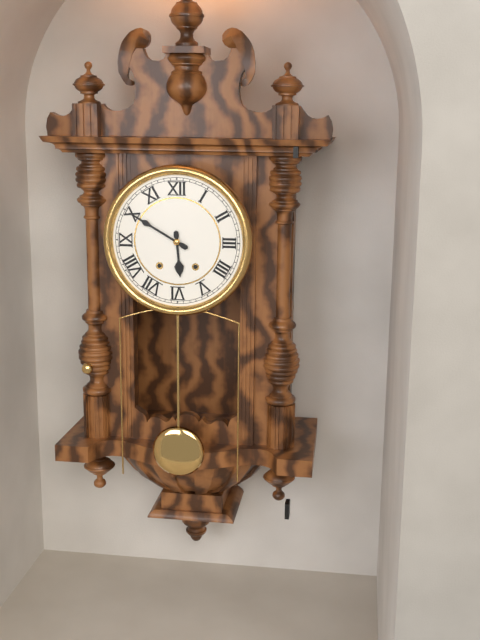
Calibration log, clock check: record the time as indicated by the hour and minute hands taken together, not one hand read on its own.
5:50
